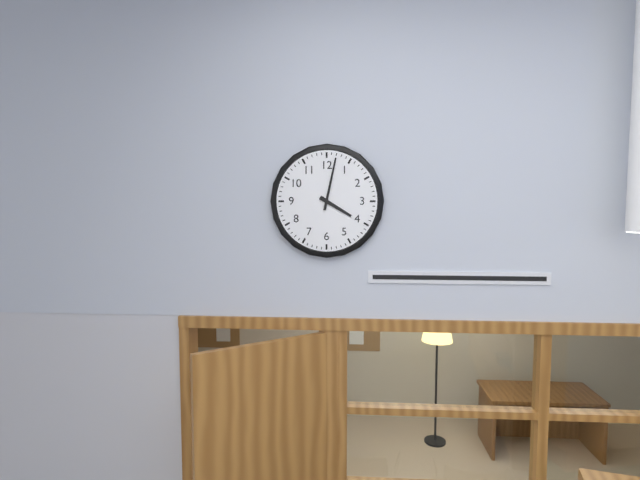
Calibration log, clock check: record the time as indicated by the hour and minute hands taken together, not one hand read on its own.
4:02
